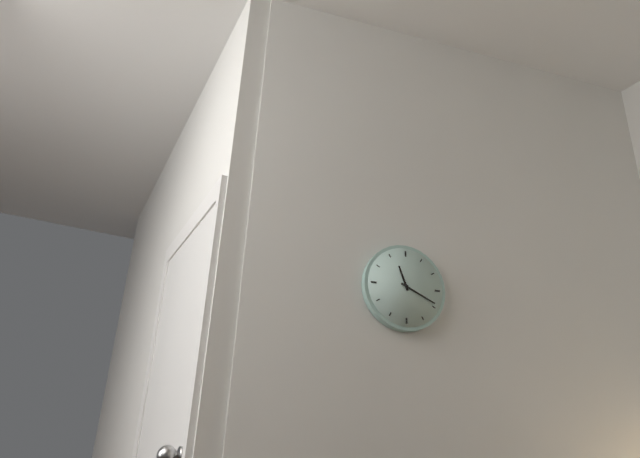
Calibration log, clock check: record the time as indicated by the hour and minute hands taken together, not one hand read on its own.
11:19
